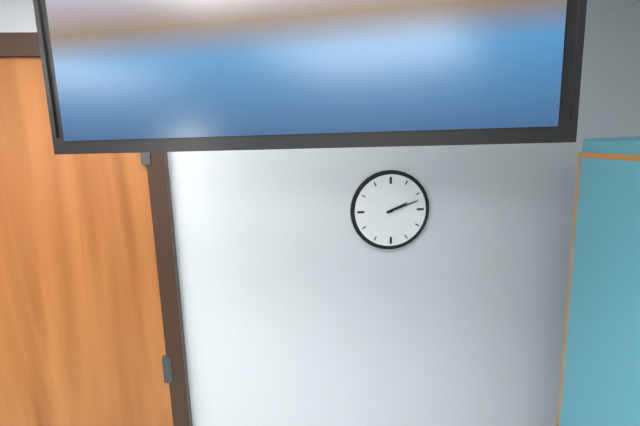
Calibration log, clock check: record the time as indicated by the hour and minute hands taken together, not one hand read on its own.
2:12
